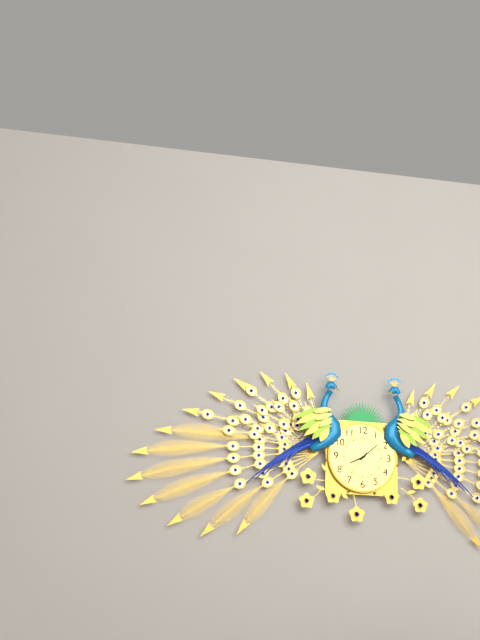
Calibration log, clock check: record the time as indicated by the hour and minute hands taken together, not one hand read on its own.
8:08
